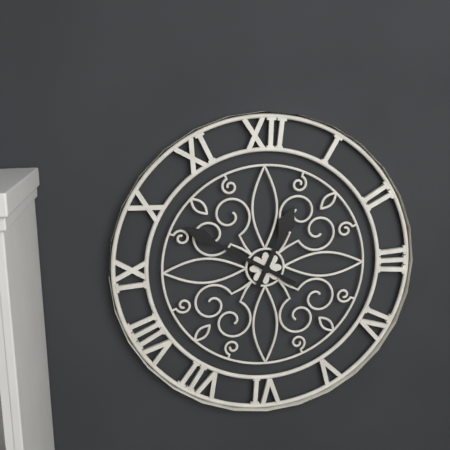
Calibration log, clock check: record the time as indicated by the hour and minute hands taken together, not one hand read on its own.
12:50
